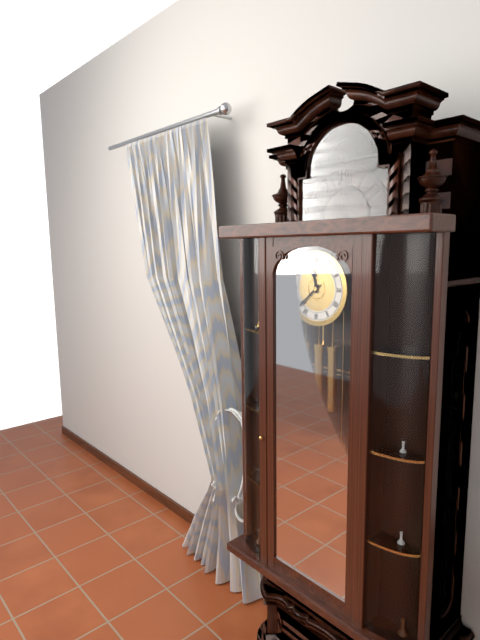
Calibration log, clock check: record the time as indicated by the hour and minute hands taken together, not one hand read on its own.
11:38
